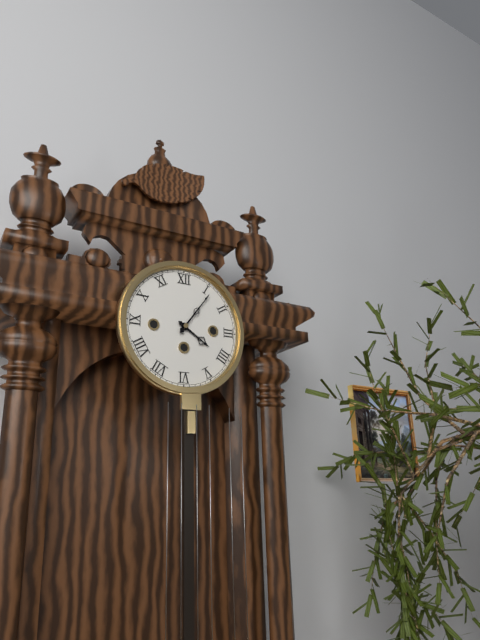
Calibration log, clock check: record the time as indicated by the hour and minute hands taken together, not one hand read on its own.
4:06
